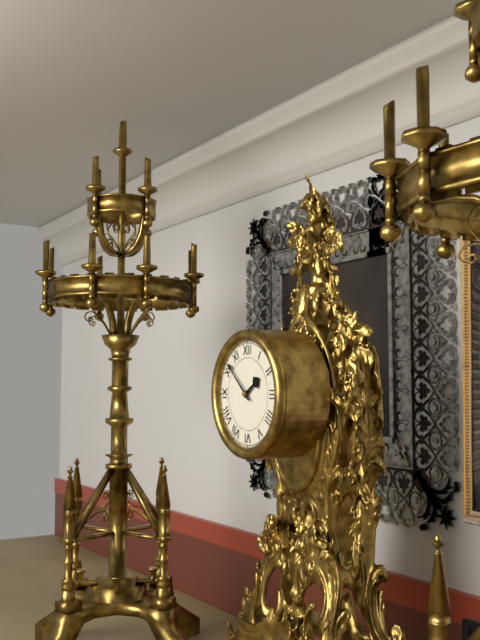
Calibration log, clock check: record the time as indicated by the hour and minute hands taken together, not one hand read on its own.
1:52
